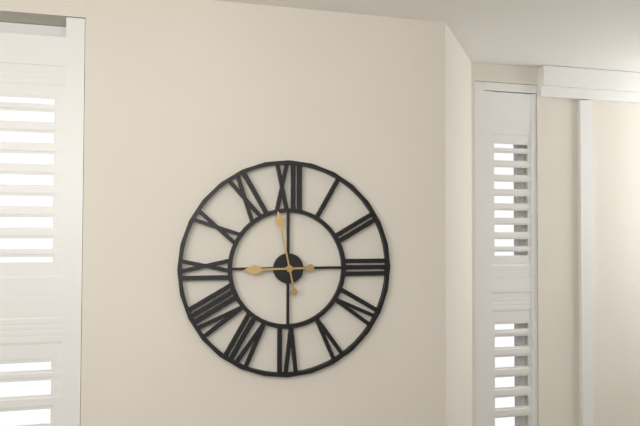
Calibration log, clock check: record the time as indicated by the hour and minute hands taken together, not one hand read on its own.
8:58
